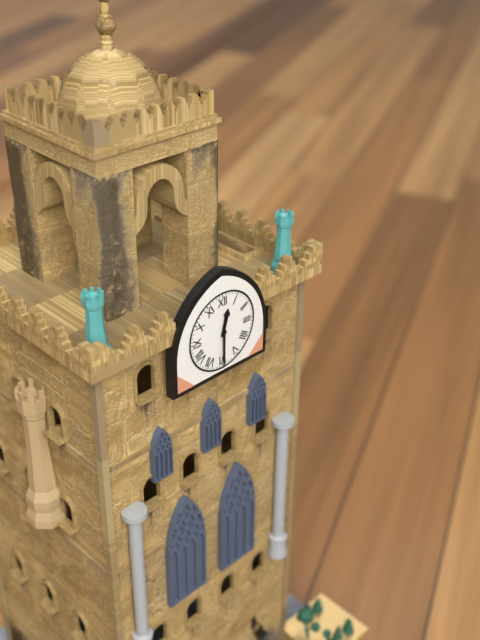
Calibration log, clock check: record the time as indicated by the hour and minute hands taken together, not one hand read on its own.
12:30
